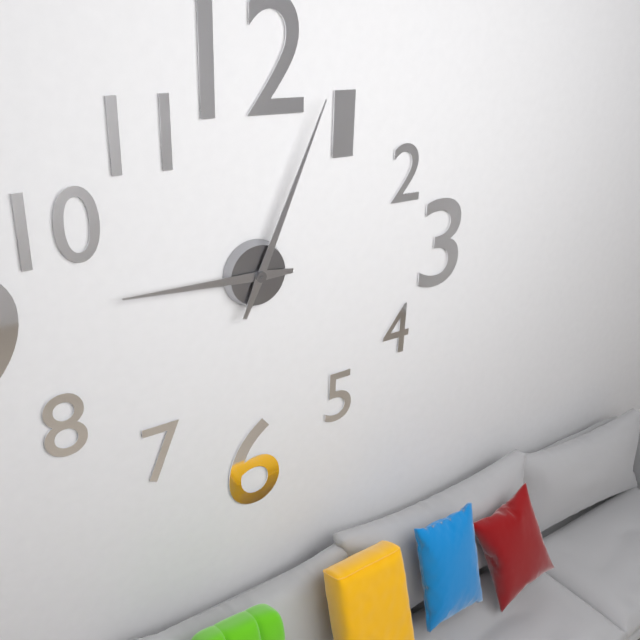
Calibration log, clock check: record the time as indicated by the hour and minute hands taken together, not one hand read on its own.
9:04
